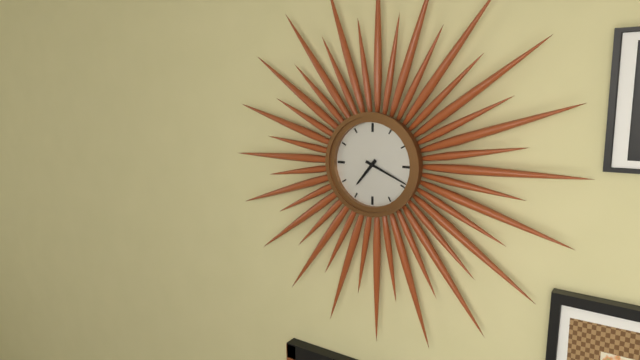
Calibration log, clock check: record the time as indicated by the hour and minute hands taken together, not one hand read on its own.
7:19
